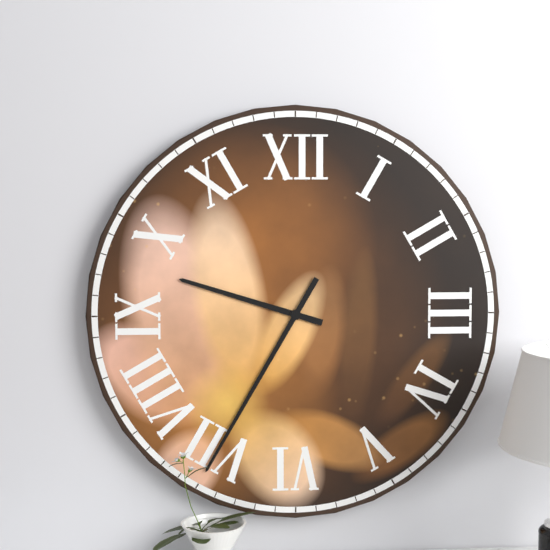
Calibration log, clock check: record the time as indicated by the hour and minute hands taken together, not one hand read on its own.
9:35
